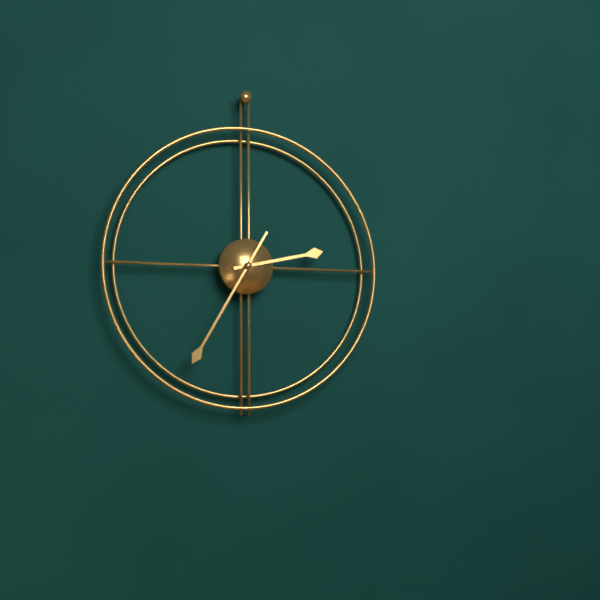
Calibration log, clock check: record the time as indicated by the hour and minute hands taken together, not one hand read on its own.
2:35
